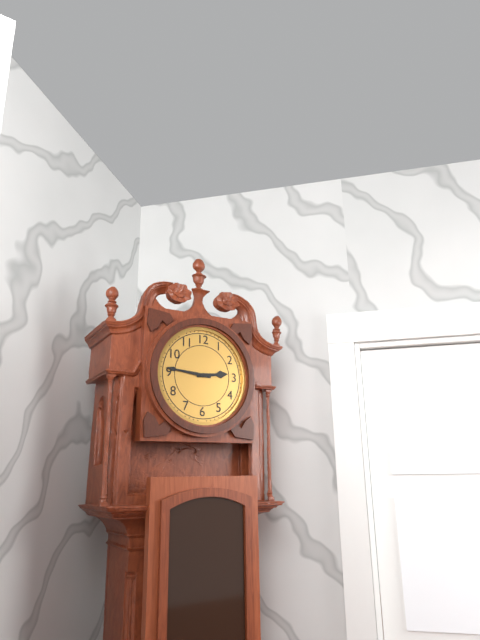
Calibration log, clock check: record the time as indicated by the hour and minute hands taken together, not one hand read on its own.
2:46
